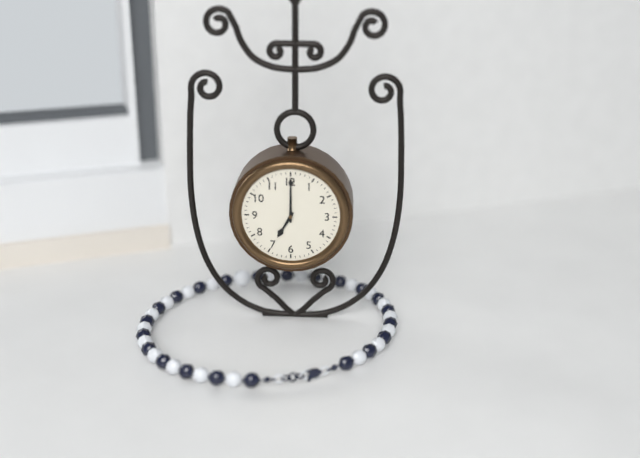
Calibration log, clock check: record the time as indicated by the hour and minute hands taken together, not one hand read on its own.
7:00
